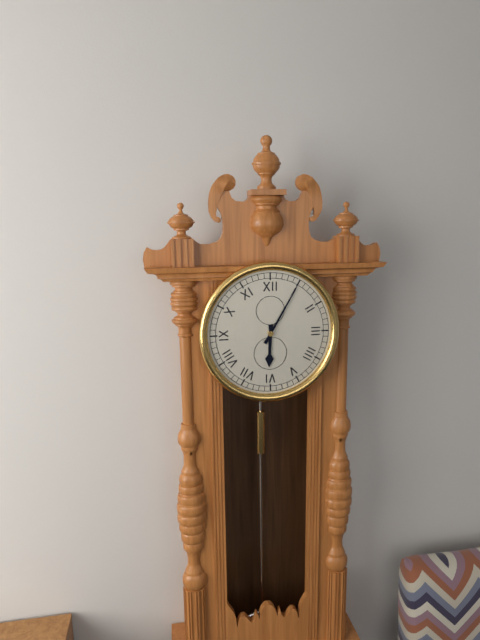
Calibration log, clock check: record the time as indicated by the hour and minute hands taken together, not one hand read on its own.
6:05
